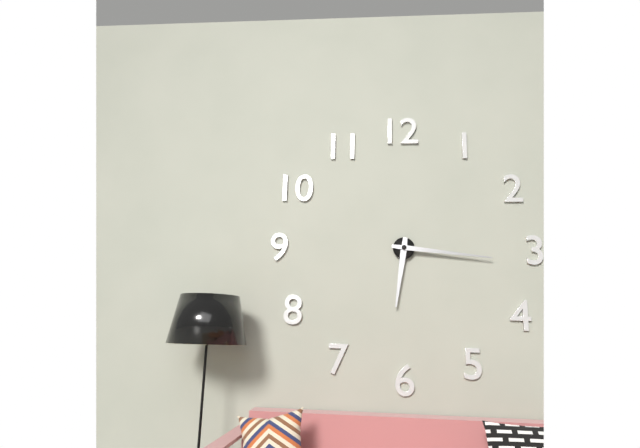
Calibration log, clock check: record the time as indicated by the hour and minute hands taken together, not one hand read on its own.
6:16
